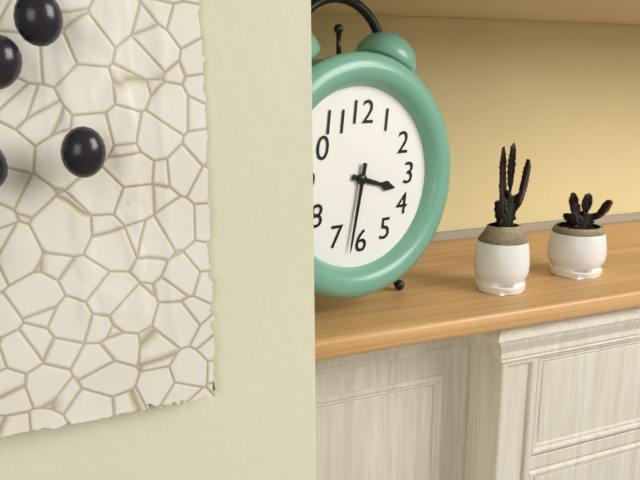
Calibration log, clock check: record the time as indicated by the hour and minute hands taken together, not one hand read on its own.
3:32
